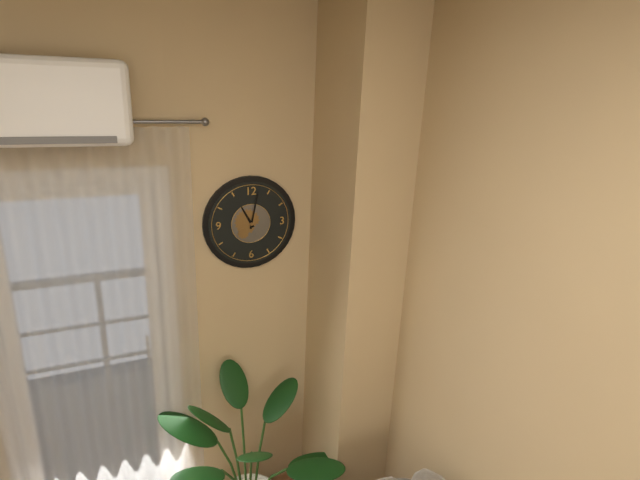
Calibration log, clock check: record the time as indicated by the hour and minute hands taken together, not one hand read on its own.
11:02
